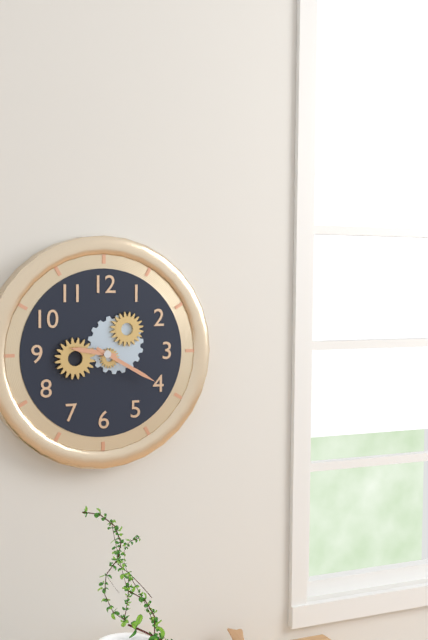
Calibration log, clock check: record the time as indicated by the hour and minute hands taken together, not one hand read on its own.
9:20
